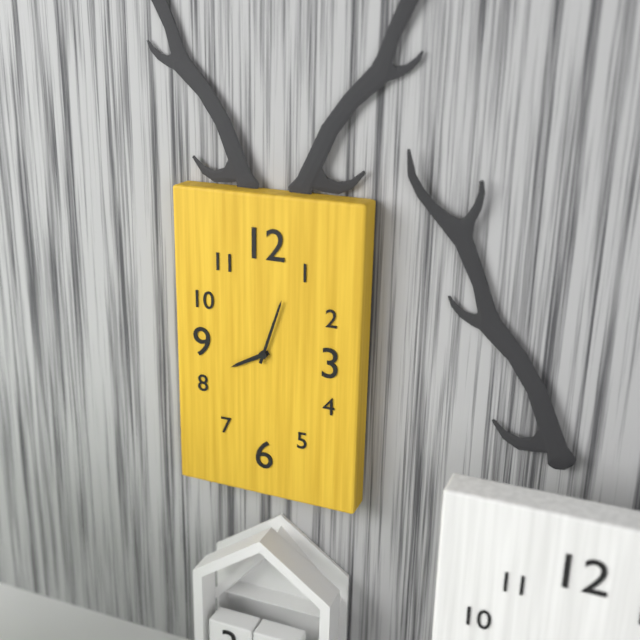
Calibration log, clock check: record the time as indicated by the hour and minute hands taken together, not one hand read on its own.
8:03
